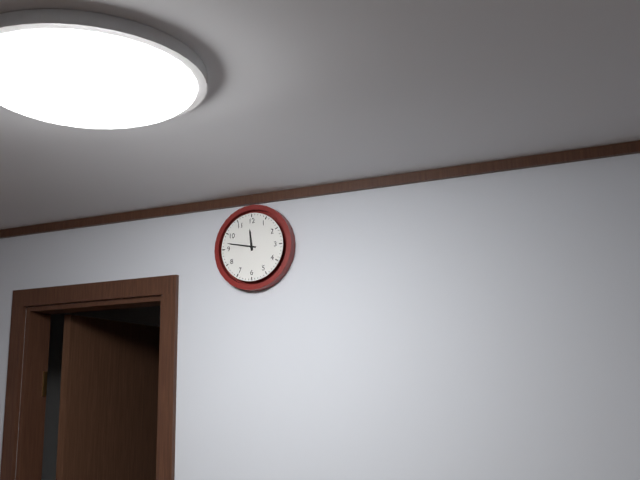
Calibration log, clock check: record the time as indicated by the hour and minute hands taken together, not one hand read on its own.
11:47
